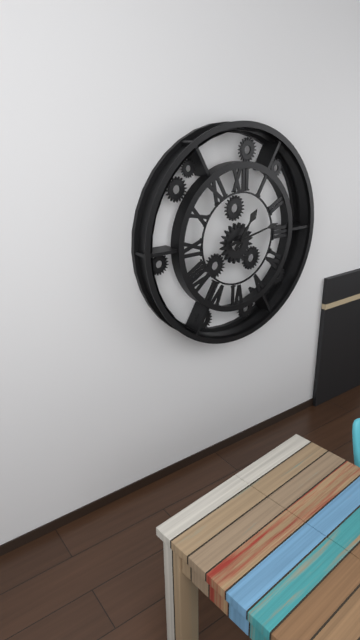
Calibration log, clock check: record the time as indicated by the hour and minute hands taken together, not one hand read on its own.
1:13
